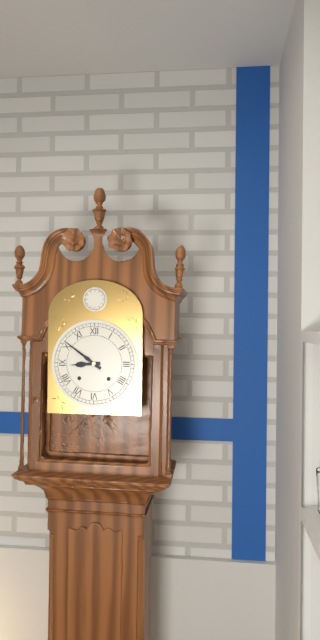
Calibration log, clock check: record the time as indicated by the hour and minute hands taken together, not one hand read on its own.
8:51
